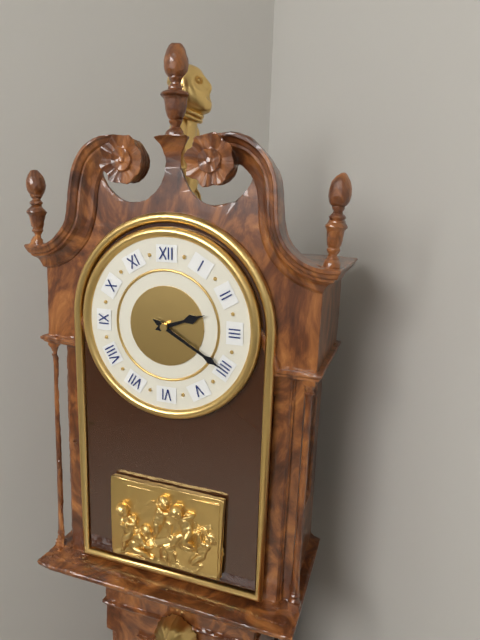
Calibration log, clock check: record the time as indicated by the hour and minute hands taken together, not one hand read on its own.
2:20
